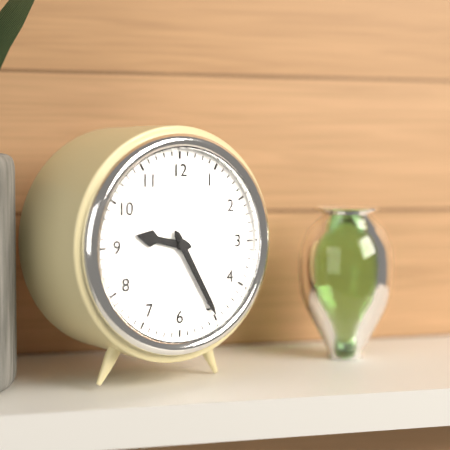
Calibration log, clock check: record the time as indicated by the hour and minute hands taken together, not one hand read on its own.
9:25
